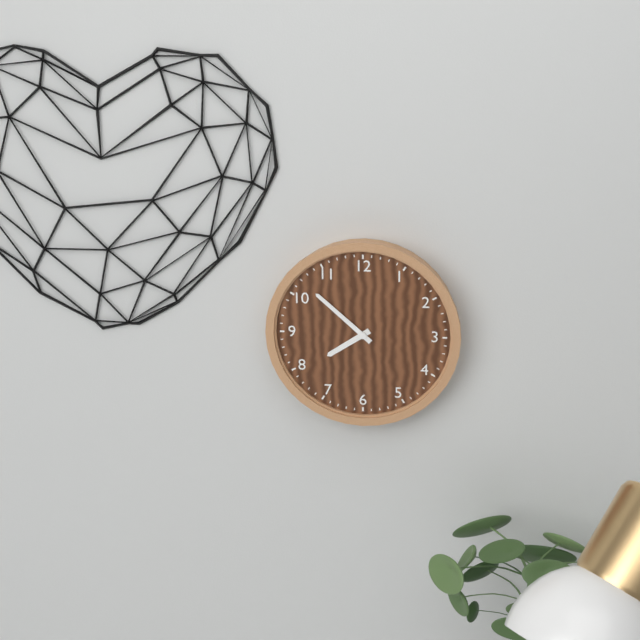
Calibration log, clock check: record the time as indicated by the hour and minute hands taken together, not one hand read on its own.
7:52
